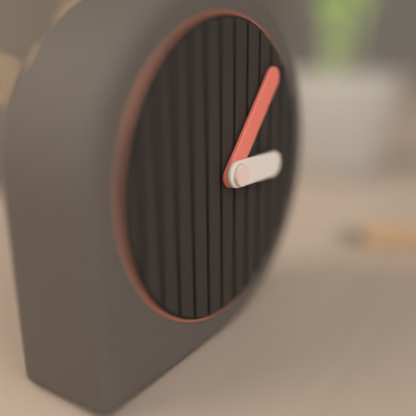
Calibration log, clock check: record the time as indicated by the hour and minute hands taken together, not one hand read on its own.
3:07
